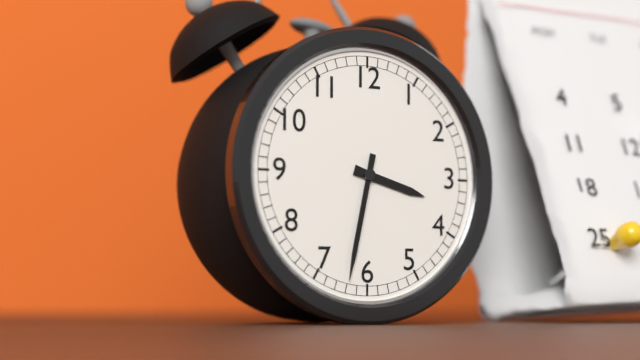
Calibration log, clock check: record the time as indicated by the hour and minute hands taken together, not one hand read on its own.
3:32
